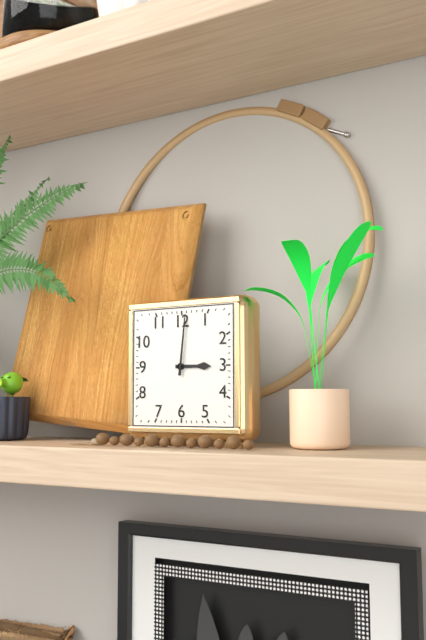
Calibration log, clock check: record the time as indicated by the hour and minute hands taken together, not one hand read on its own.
3:01
